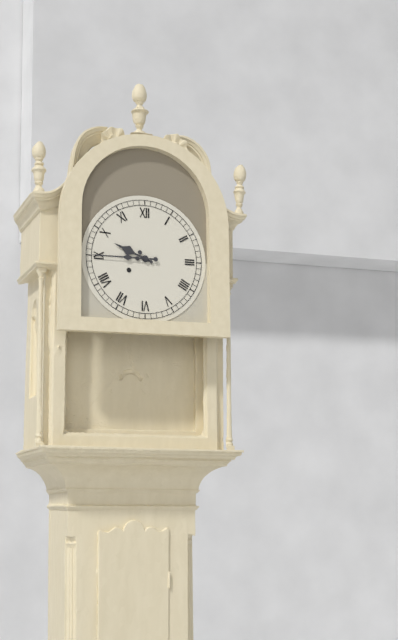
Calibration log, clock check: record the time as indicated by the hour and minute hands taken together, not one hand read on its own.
9:45
